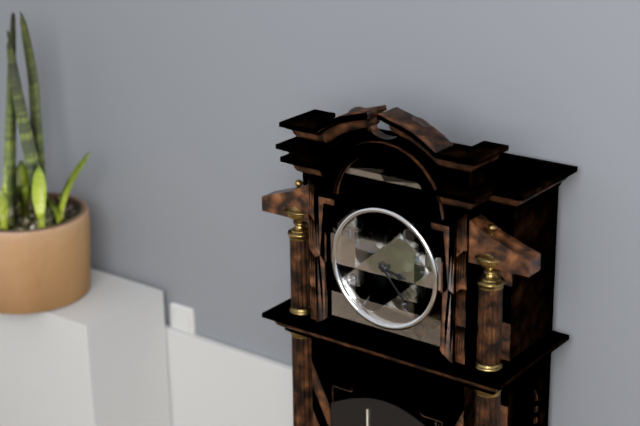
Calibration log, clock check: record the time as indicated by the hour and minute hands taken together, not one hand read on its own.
3:23
